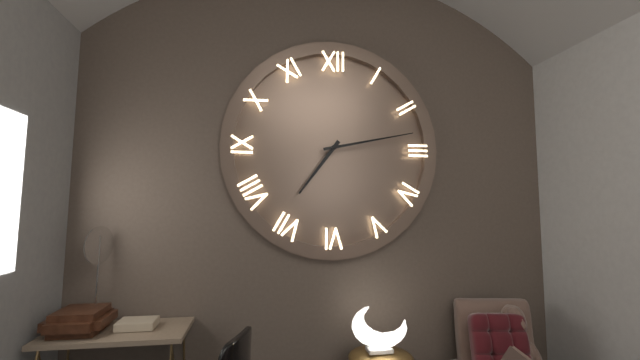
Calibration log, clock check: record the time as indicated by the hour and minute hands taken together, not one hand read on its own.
7:13
